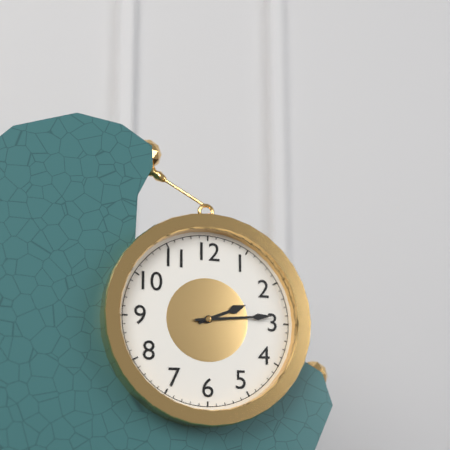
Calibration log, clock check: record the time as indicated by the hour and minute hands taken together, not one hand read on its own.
2:14
